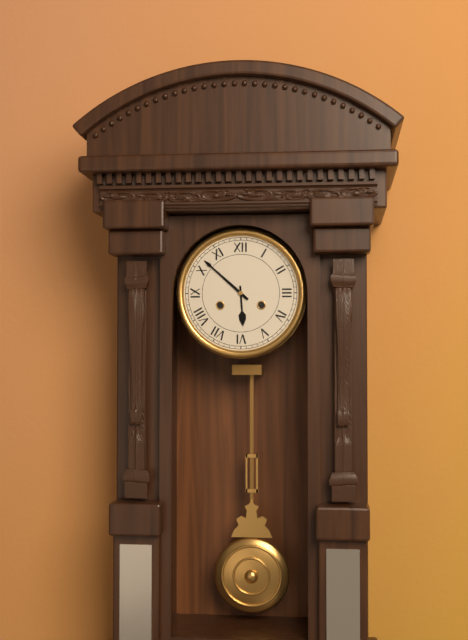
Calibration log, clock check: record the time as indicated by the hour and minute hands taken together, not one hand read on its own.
5:52
